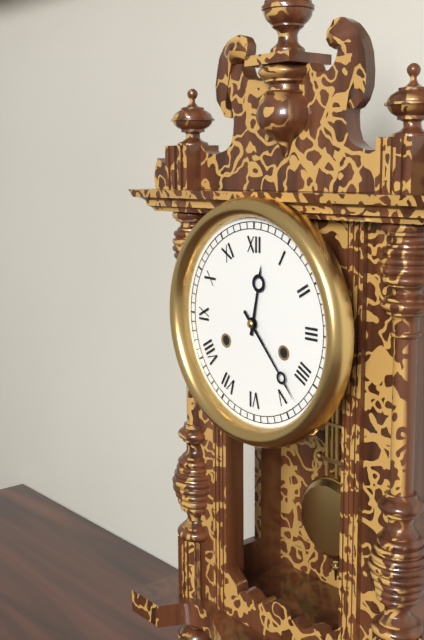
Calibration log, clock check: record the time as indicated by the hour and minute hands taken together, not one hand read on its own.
12:23
